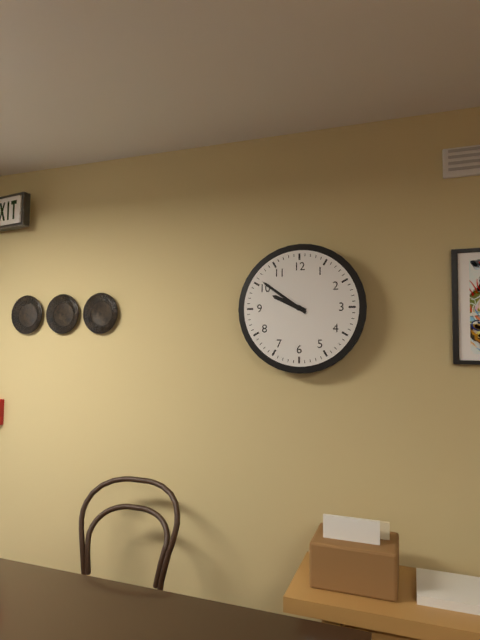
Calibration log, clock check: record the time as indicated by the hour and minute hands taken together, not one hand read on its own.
9:51
